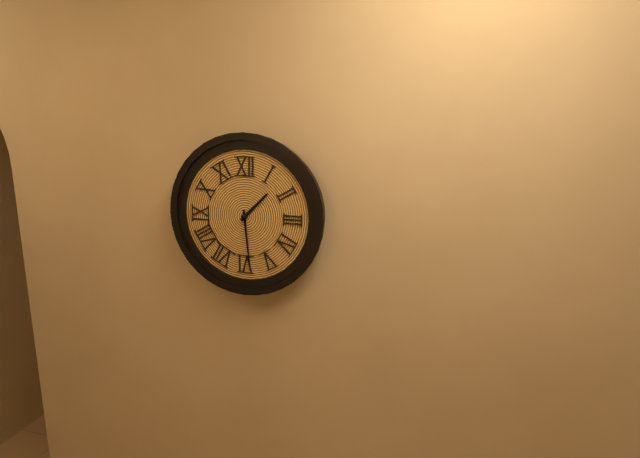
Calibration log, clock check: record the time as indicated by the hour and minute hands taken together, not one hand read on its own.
1:29
